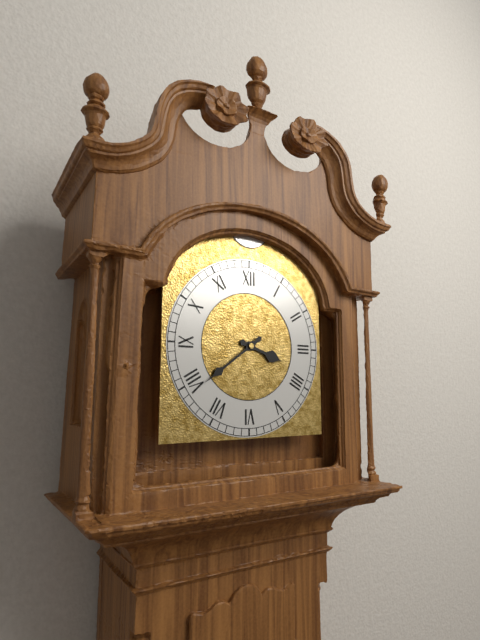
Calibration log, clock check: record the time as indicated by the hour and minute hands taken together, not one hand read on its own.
3:39
